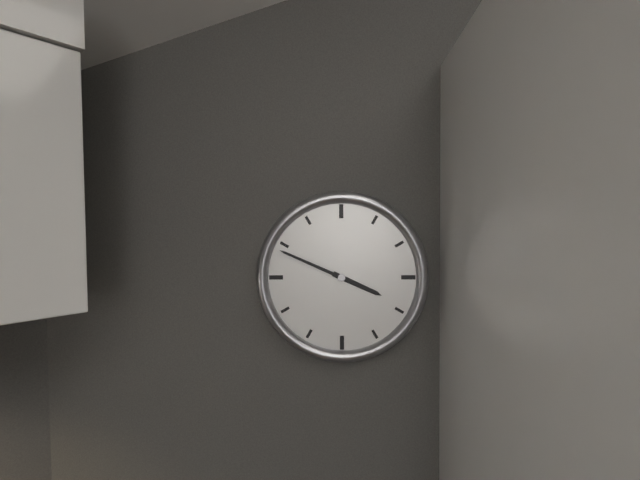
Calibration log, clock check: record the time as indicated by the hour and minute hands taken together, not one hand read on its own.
3:49
